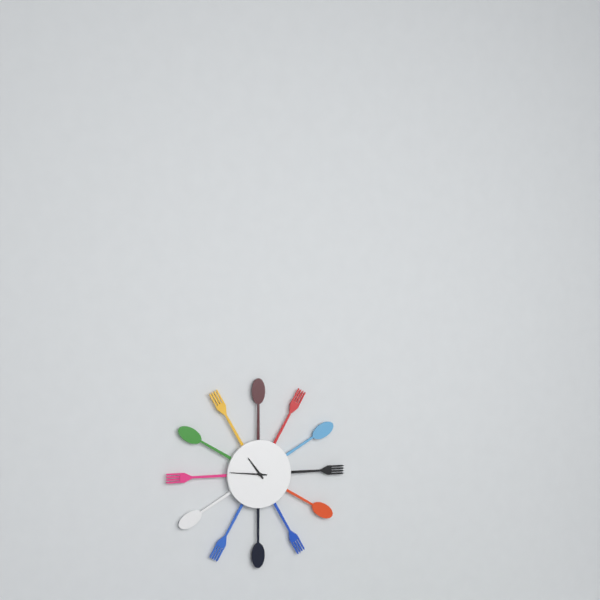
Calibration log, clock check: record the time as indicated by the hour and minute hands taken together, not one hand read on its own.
10:46
